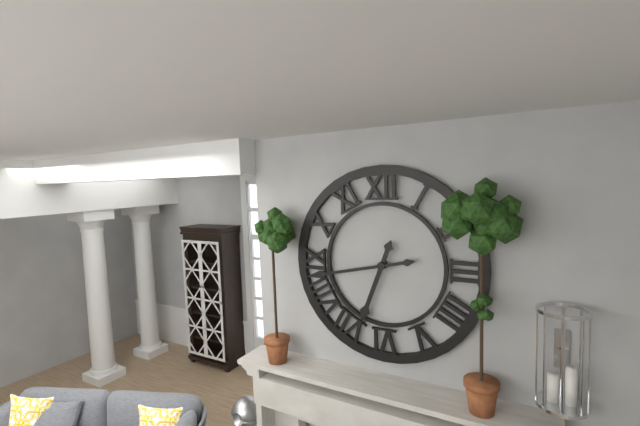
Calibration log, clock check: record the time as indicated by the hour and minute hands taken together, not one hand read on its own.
6:43
